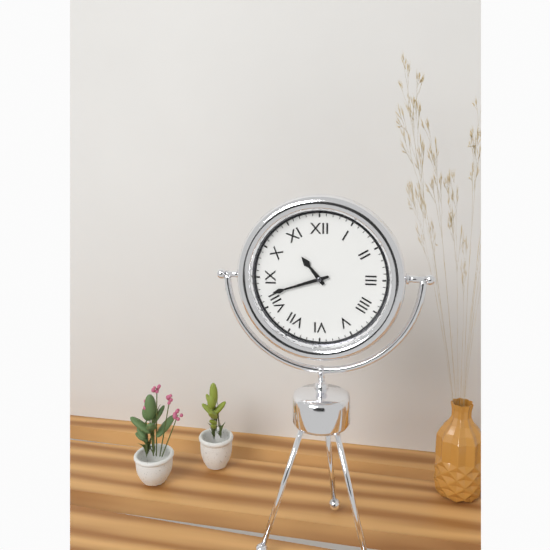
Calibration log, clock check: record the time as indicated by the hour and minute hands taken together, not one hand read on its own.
10:42
